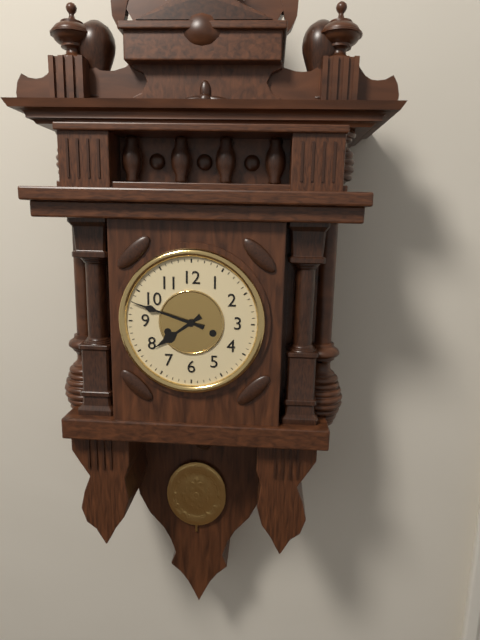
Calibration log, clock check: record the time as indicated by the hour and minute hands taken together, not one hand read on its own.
7:48
